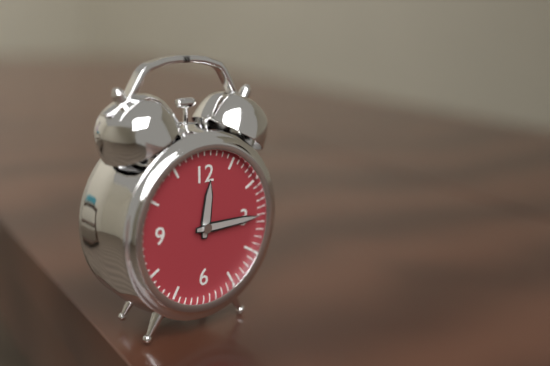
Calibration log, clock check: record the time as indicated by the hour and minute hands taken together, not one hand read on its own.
12:15
